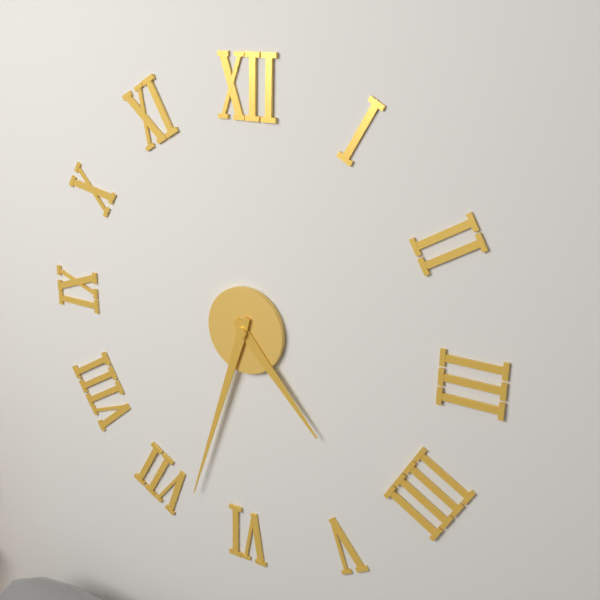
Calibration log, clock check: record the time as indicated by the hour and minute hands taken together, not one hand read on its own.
4:33
